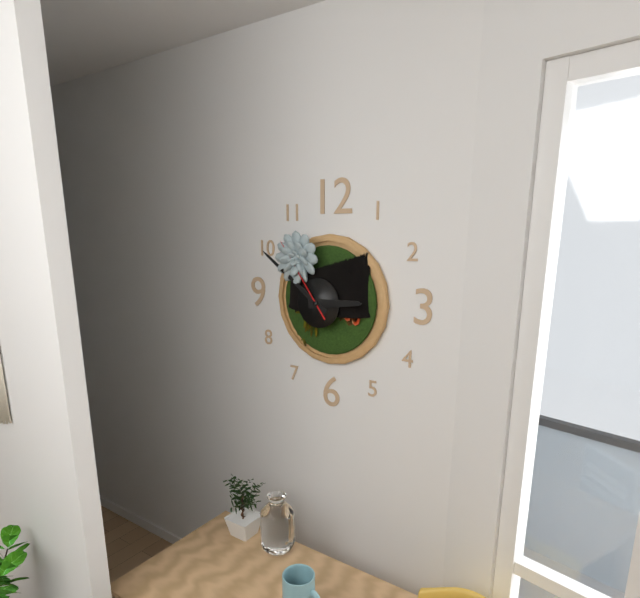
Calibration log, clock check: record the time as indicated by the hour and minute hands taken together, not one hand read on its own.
2:51
